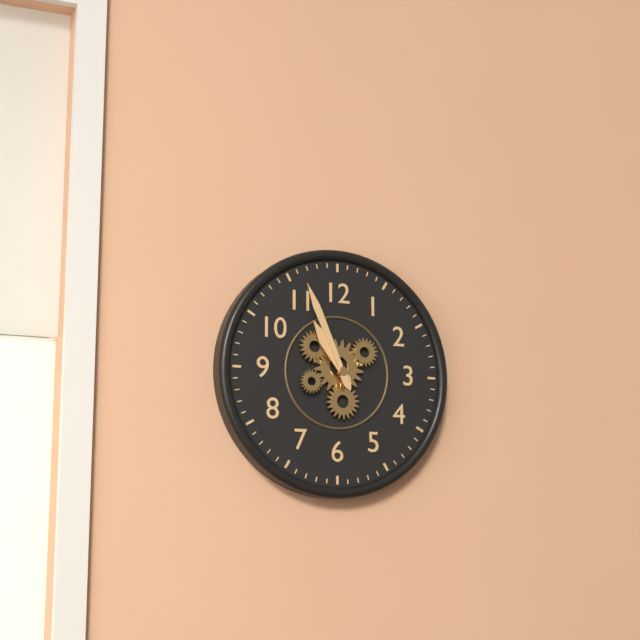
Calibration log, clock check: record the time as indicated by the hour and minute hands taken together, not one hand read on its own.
10:56
